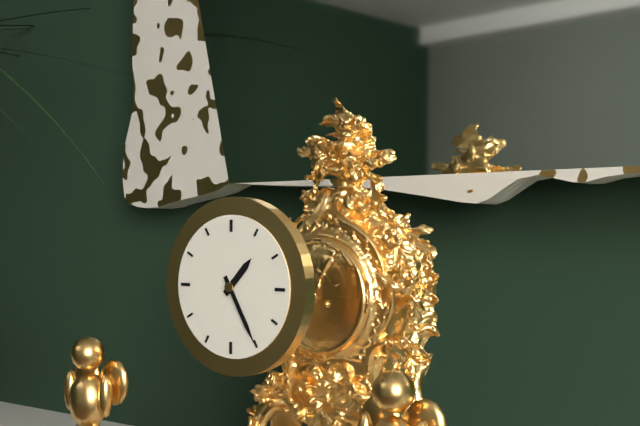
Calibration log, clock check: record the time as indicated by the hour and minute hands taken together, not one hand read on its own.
1:25
